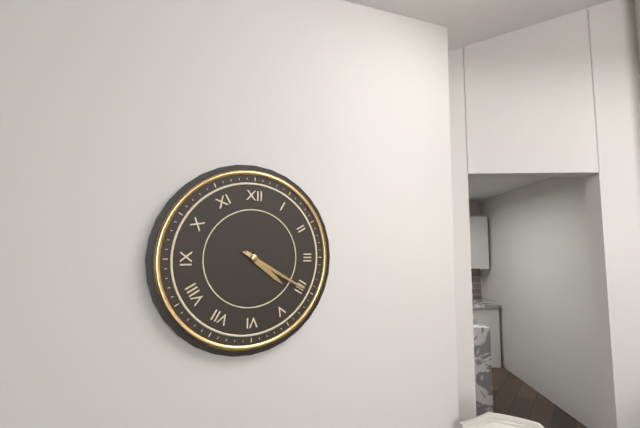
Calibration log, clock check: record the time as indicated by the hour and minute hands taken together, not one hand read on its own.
4:20
